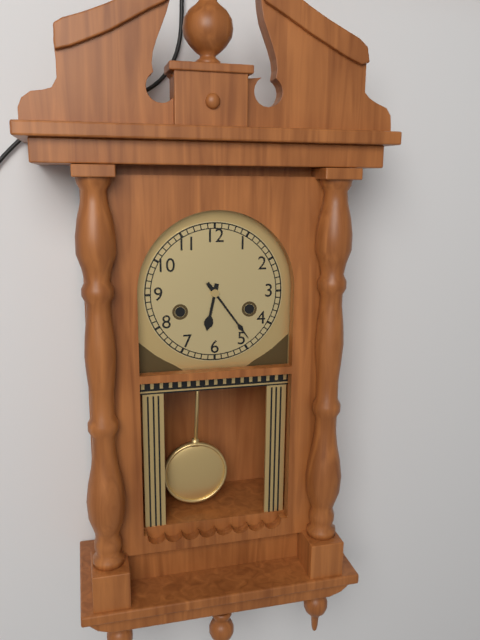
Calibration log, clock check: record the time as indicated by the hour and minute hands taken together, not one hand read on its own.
6:24
